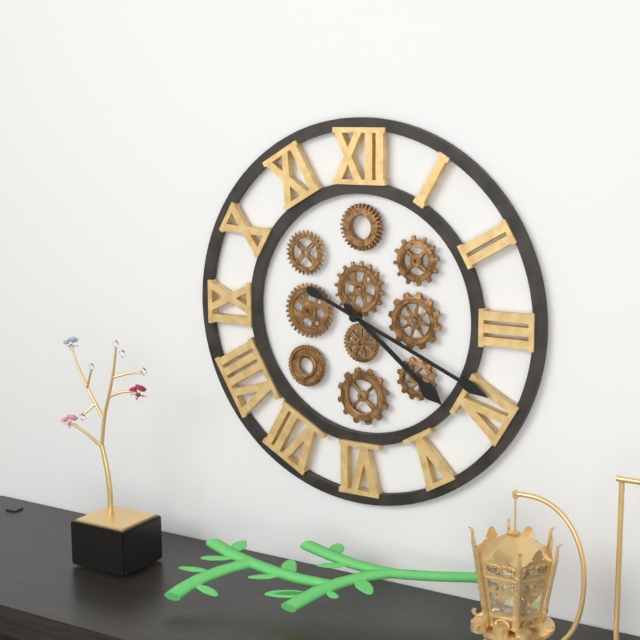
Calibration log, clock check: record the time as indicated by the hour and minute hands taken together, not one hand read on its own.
4:19
